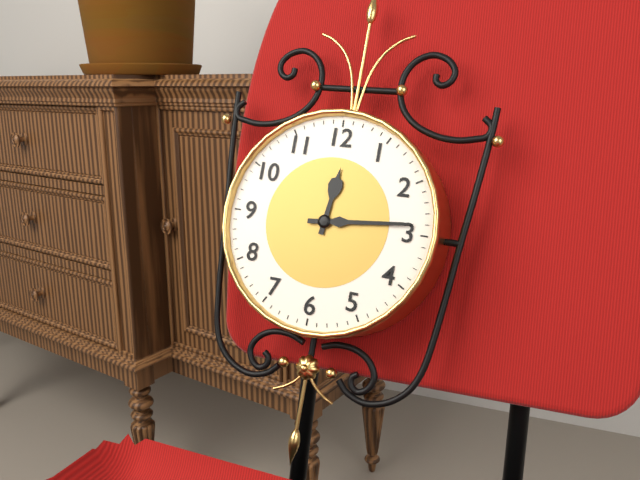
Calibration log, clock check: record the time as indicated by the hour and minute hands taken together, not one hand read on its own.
12:14
